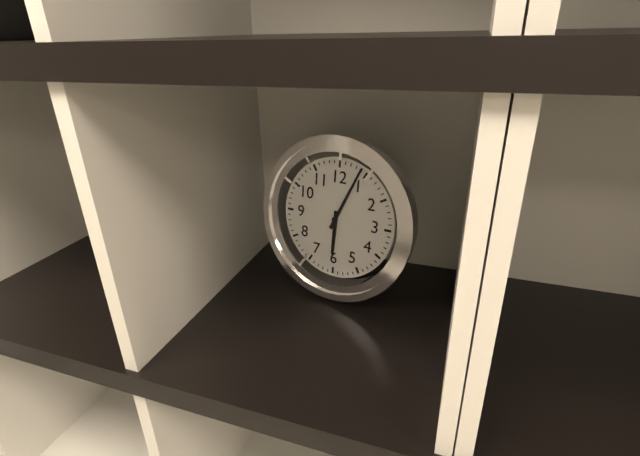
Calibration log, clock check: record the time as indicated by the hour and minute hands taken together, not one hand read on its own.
6:04
